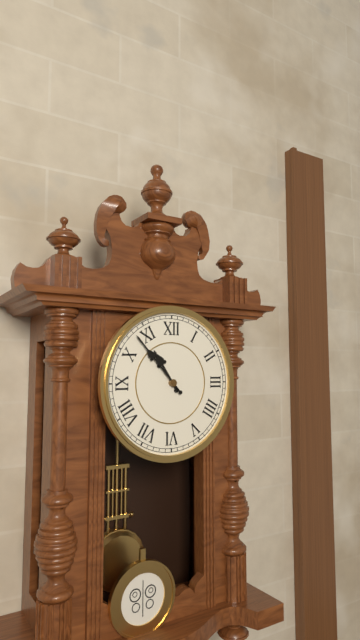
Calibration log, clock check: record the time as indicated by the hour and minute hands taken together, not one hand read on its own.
10:53
